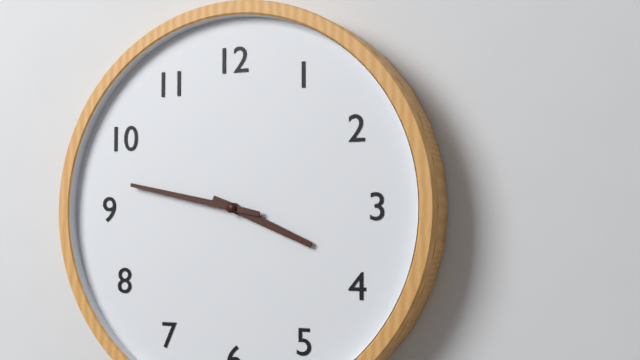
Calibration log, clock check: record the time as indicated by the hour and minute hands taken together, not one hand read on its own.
3:47
